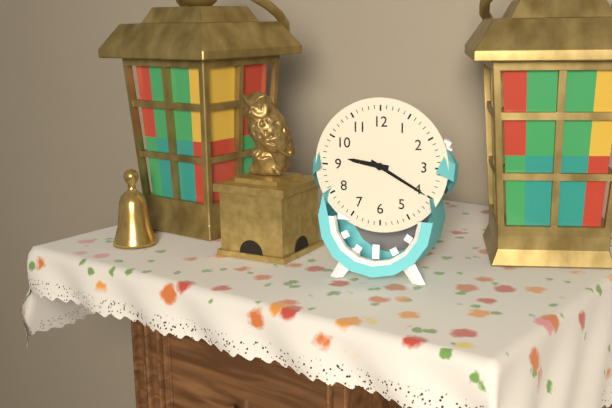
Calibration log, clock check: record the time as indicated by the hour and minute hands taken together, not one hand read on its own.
9:20
